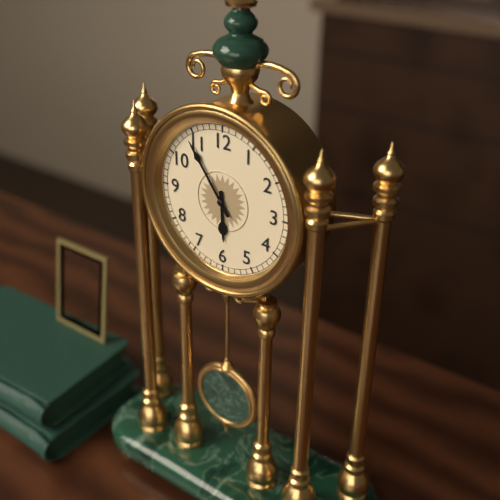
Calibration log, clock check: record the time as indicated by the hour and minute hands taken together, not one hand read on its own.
5:54
